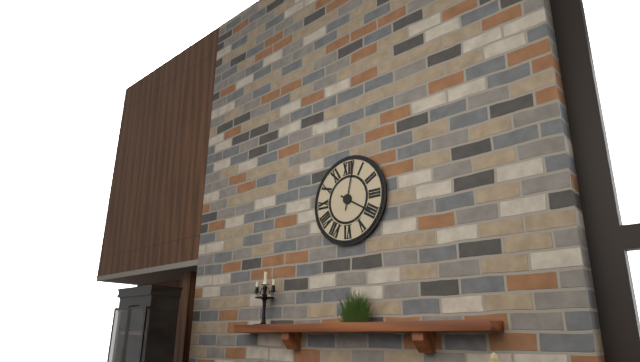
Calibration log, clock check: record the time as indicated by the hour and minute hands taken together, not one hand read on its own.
4:02
